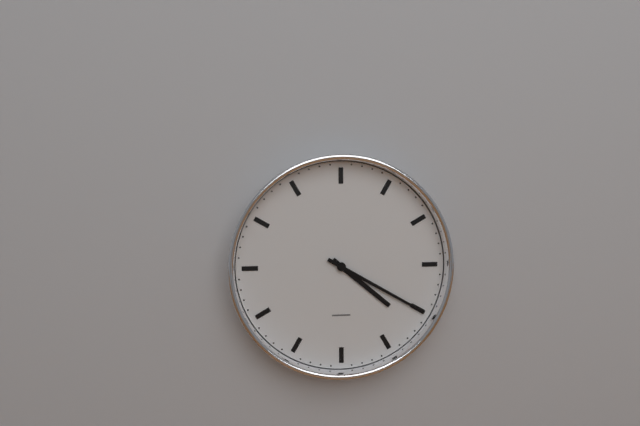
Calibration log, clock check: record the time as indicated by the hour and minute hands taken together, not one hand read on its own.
4:20
